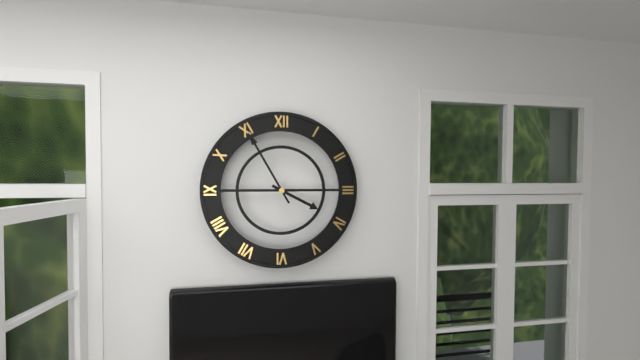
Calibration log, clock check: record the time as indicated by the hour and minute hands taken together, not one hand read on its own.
3:55
